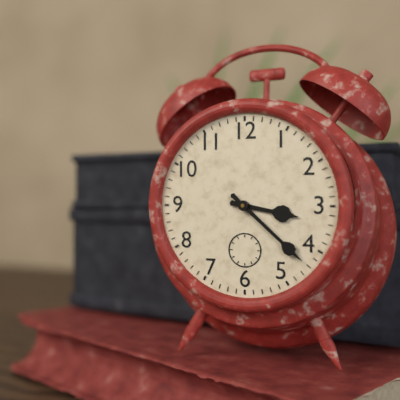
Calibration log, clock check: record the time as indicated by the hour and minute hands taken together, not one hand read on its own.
3:22
